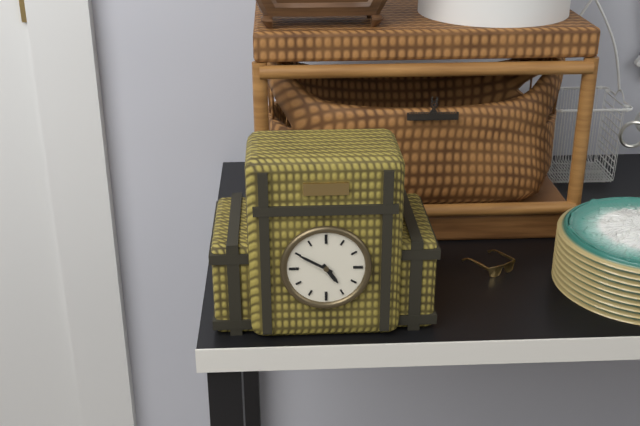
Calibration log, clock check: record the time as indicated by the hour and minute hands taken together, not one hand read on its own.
4:50
